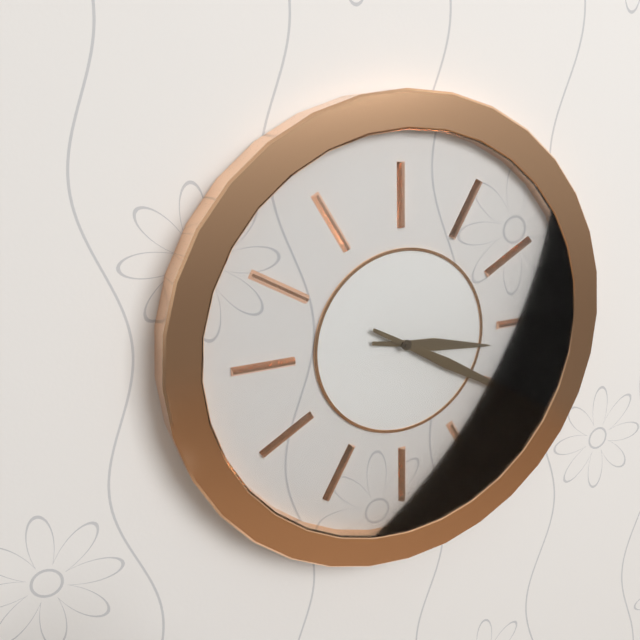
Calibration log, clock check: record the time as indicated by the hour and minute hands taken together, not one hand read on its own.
3:20
